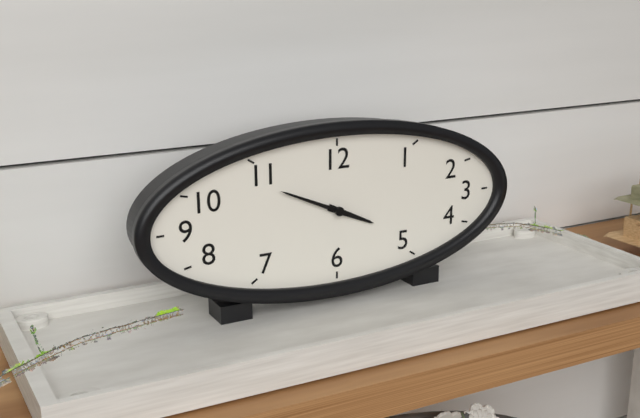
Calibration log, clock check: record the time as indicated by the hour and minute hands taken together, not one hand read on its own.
3:49
